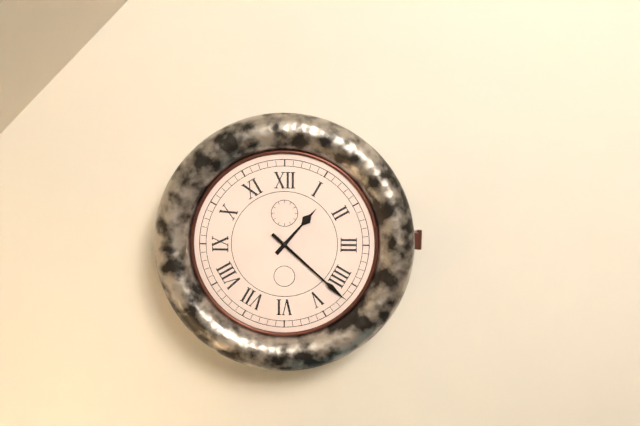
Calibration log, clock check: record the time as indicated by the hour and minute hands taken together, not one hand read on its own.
1:22
